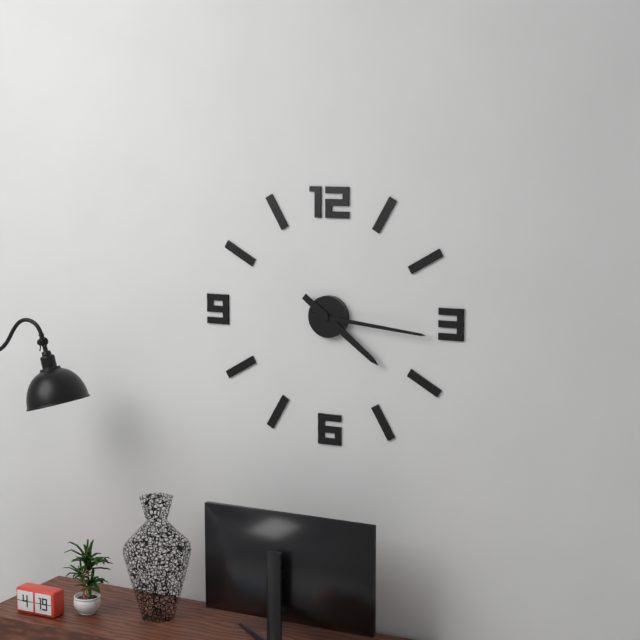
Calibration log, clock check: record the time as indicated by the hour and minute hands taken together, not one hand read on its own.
4:16
